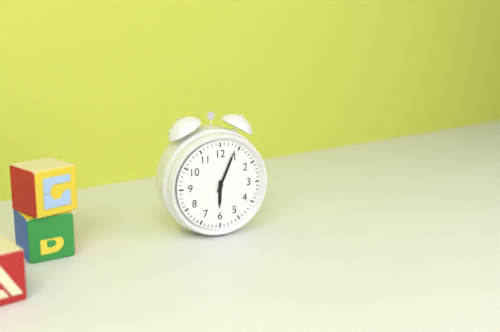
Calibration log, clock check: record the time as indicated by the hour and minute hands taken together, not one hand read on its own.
6:04
